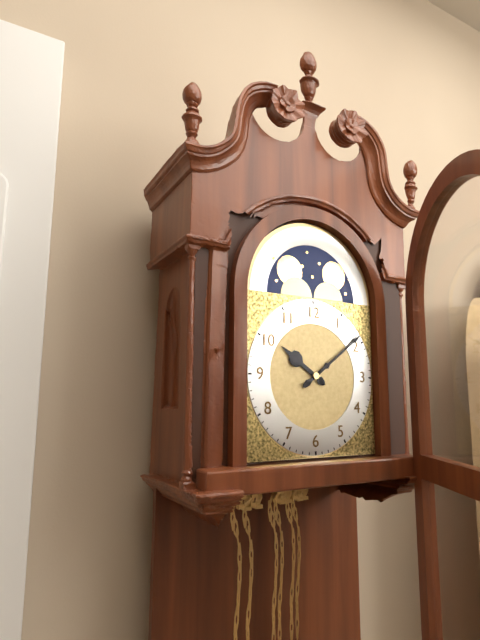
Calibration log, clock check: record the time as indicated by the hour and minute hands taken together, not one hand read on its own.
10:09
